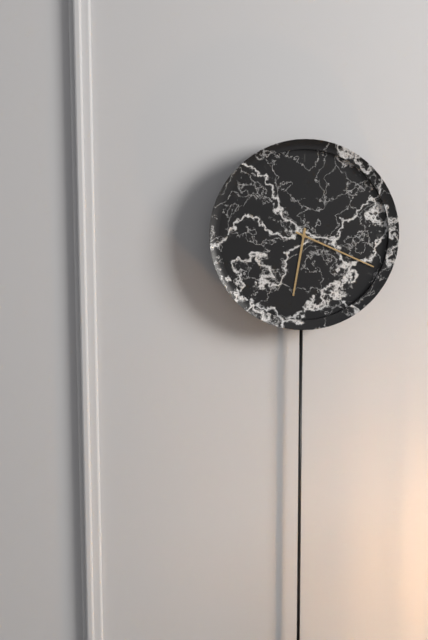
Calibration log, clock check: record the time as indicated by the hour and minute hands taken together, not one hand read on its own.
6:19
